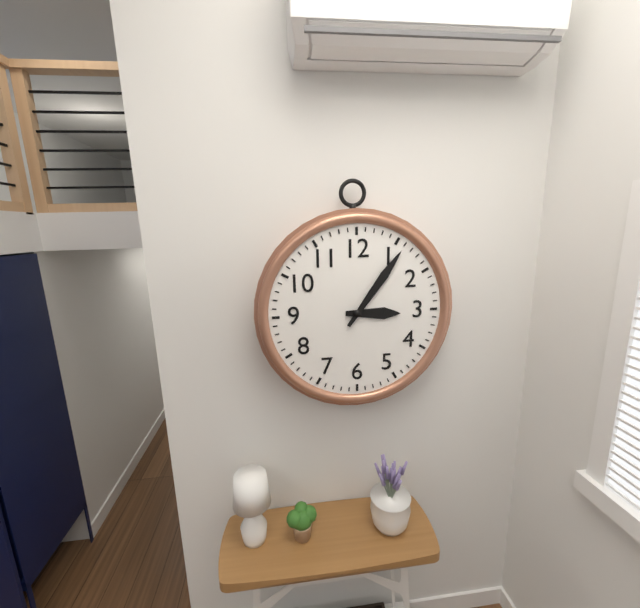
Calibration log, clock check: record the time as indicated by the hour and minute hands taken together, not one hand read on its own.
3:06
